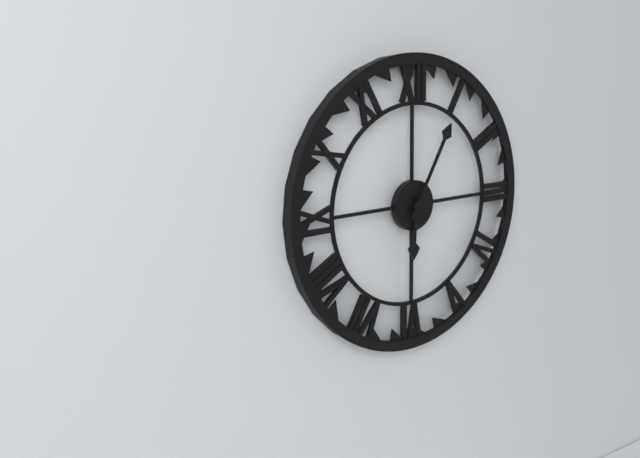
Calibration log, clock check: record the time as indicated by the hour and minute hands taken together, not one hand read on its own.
6:05
